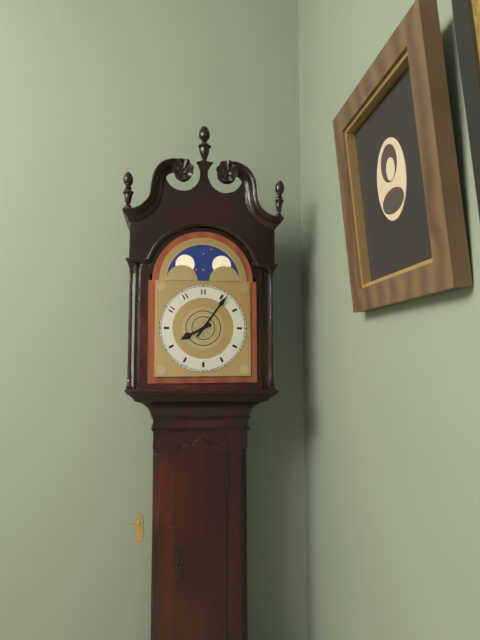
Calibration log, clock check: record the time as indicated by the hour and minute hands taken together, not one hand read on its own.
8:06
